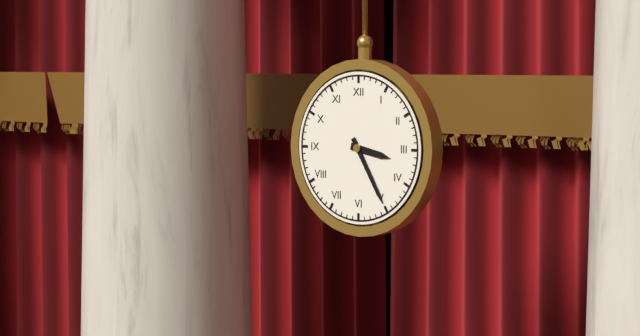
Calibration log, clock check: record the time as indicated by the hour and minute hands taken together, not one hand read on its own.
3:25
